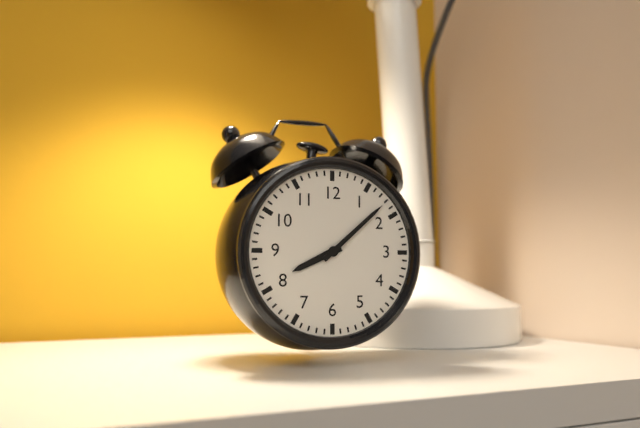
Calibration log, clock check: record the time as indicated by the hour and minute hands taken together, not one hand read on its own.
8:08
